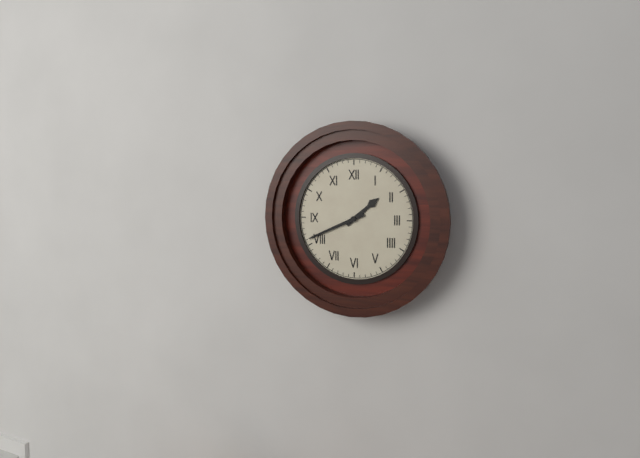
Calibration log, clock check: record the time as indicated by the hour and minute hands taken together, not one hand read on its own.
1:41
